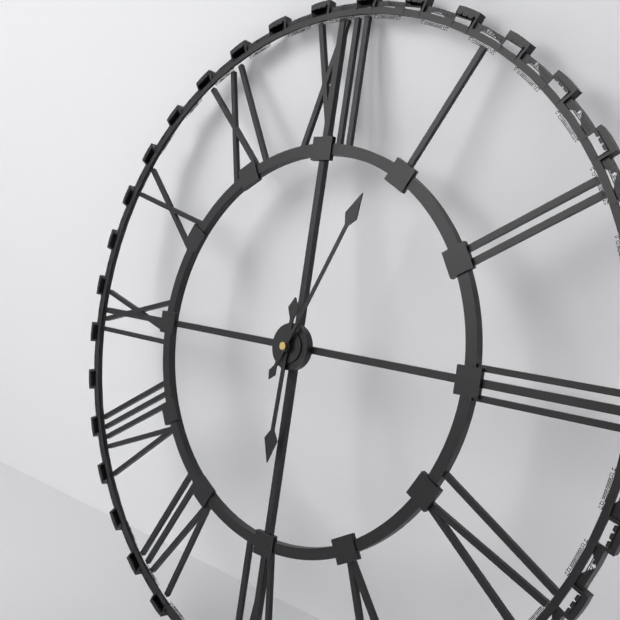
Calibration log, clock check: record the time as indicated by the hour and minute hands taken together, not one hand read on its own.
6:04
